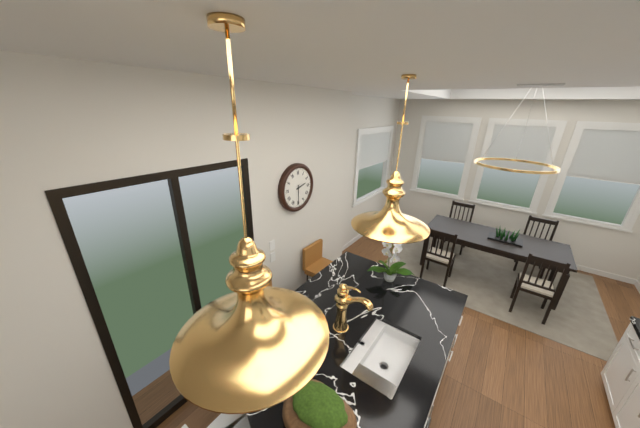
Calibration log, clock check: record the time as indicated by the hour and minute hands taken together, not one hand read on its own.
2:30
